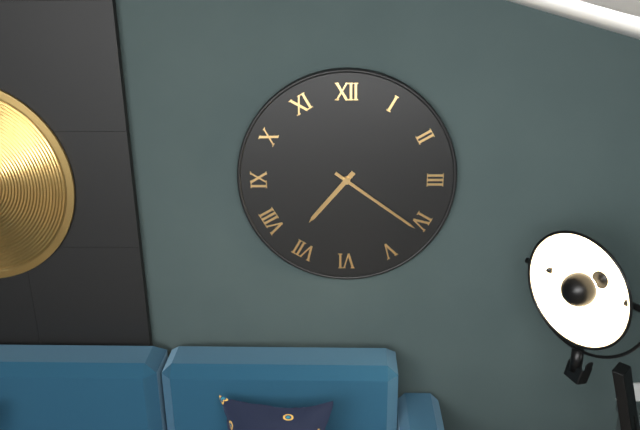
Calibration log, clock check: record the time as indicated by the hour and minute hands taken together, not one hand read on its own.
7:21
